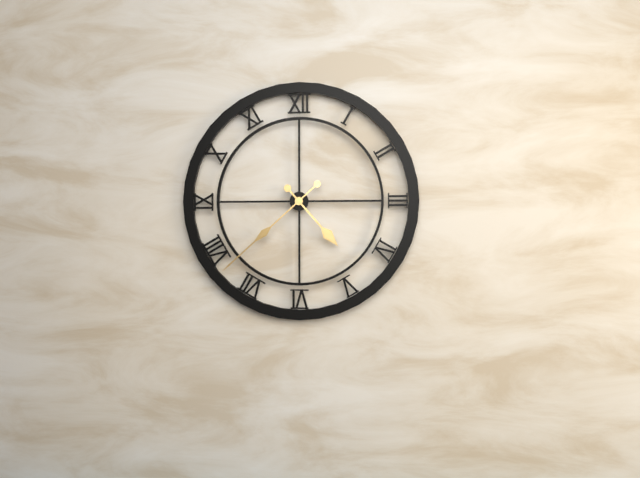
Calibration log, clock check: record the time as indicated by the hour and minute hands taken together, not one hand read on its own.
4:38
